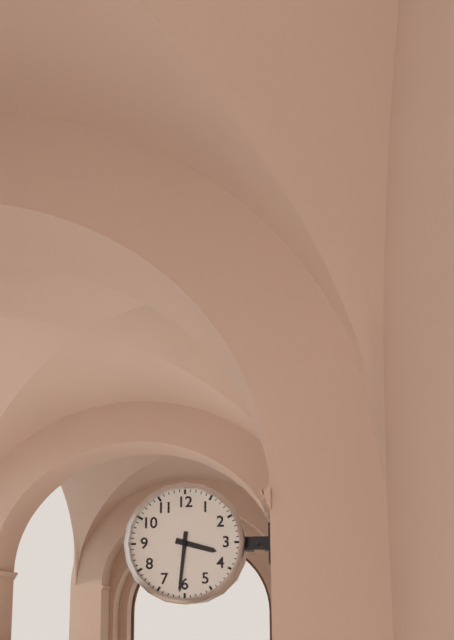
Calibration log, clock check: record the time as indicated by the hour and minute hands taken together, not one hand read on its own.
3:31
